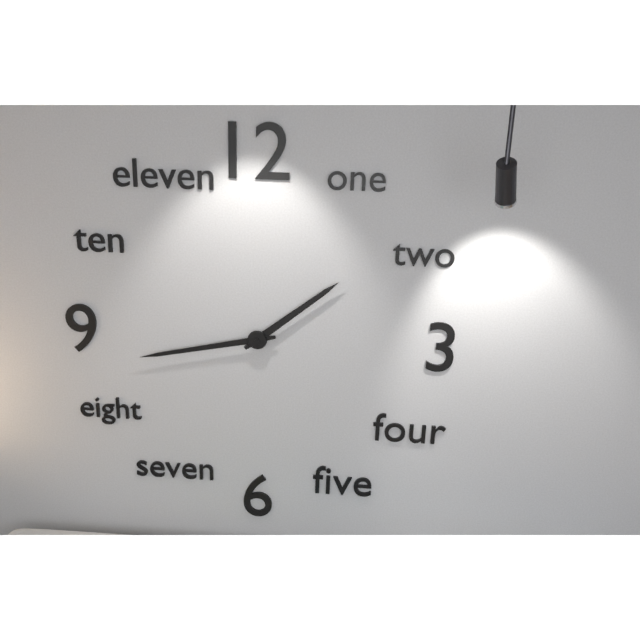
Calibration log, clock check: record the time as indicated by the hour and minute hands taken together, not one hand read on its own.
1:43
